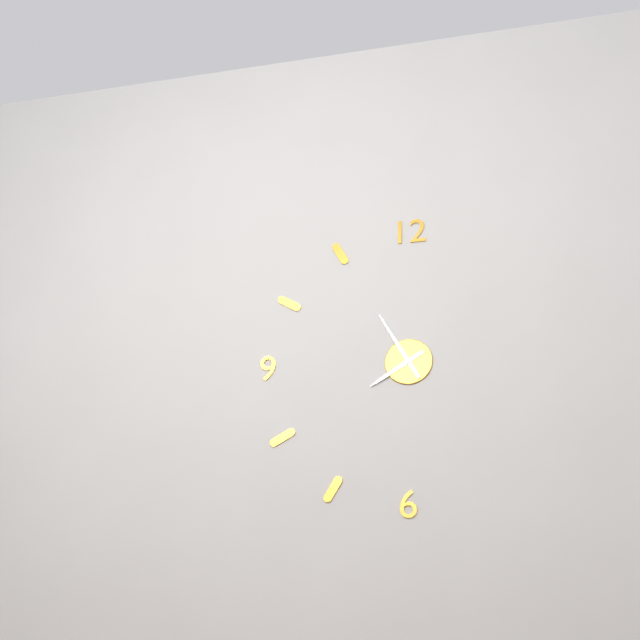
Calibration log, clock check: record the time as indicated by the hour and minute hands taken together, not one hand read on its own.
7:55
